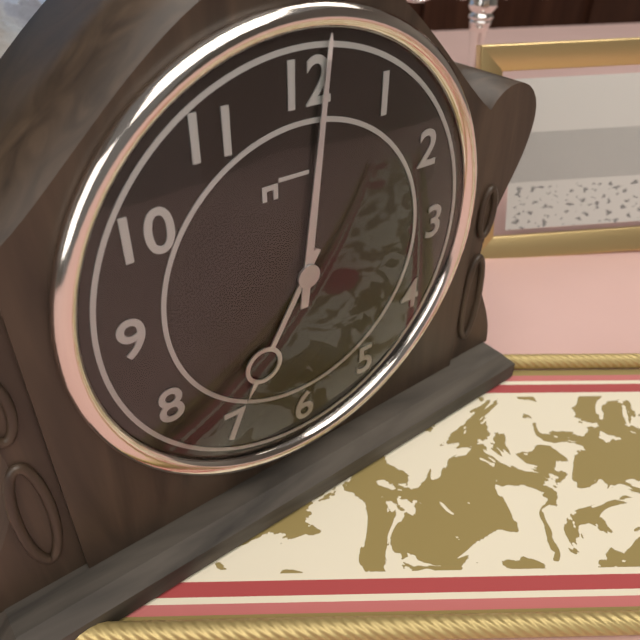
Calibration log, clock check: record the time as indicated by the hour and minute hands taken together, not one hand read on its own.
7:01
